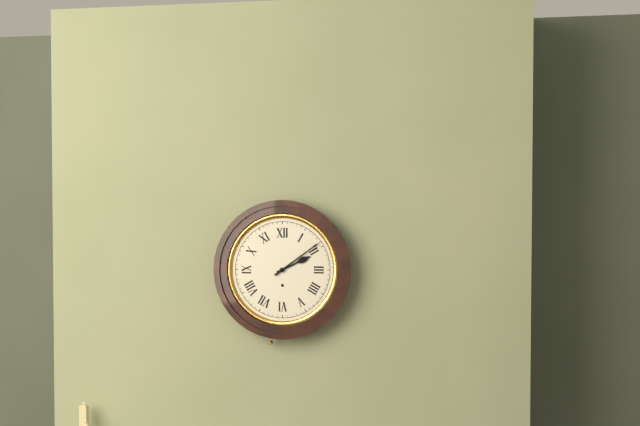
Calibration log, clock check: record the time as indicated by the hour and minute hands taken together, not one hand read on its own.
2:09
